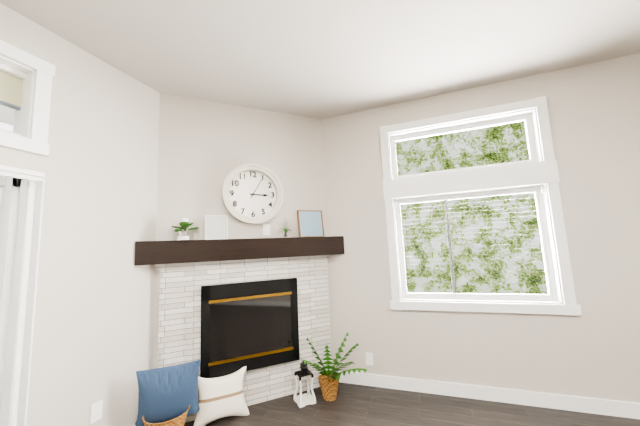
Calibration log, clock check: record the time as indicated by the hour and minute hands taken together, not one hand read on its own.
3:05
